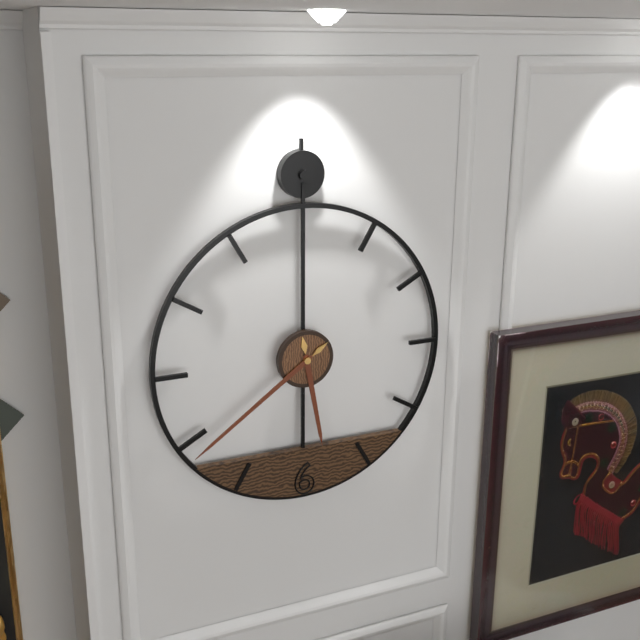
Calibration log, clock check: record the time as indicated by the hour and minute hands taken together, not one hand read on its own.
5:39
